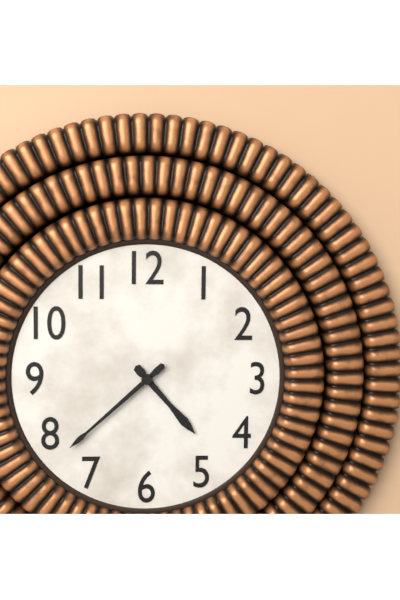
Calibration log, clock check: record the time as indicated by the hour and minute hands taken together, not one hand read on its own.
4:38
